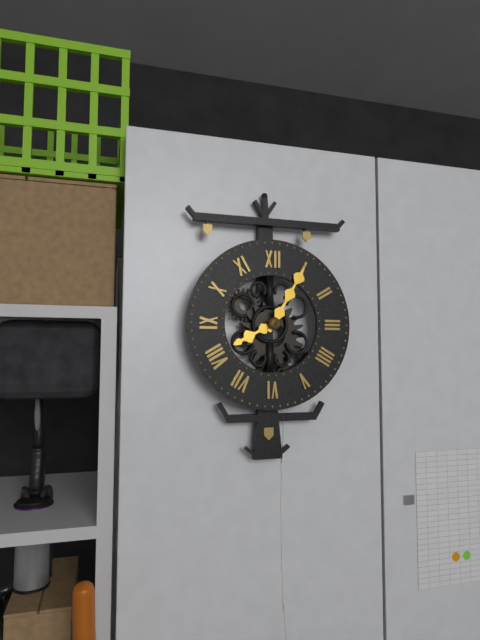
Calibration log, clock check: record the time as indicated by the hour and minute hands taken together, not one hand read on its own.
8:05
